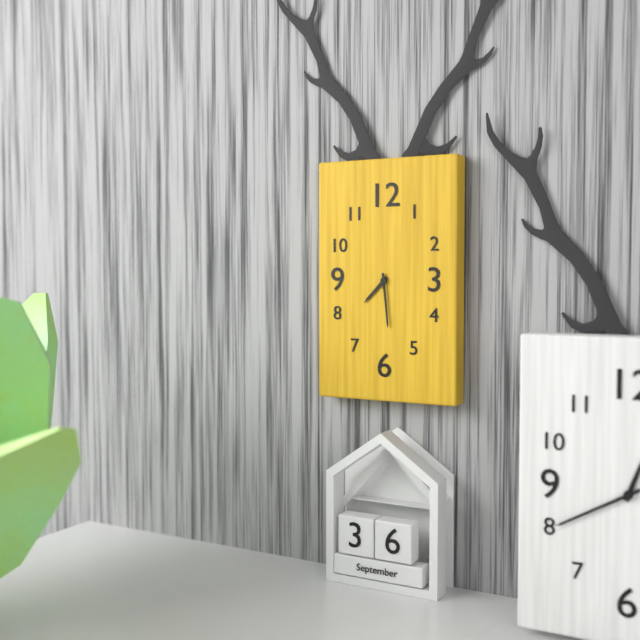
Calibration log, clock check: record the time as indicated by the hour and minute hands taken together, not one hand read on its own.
7:29
